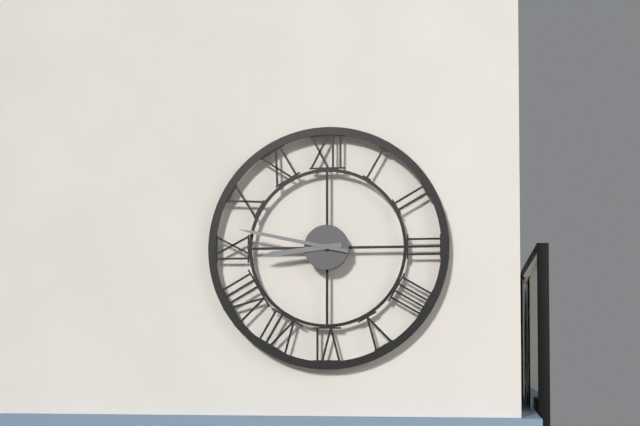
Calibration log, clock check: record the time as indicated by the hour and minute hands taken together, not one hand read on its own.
8:47
